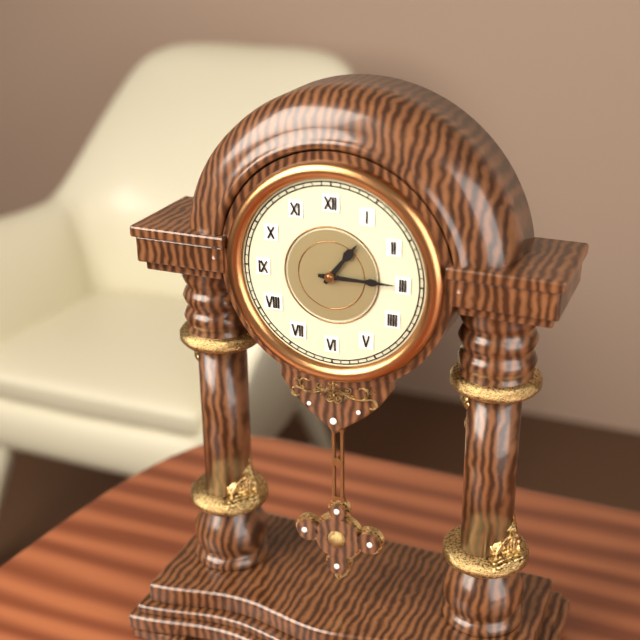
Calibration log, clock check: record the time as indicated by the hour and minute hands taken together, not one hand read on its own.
1:15
